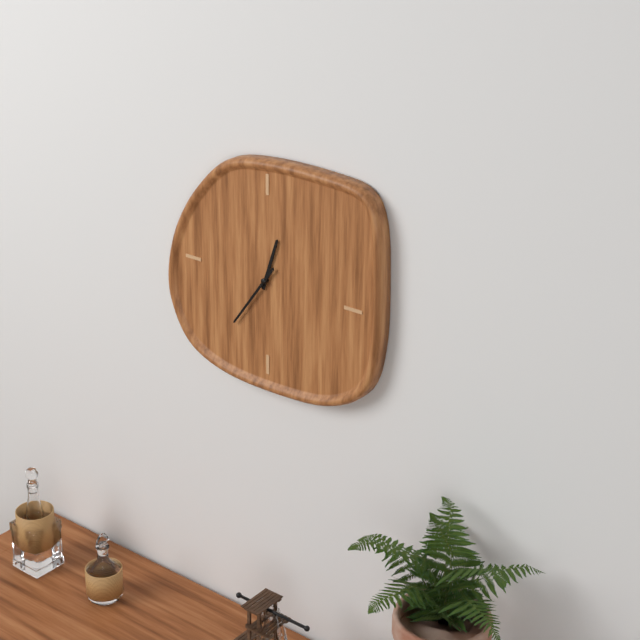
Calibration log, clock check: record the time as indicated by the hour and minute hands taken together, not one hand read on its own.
12:36
